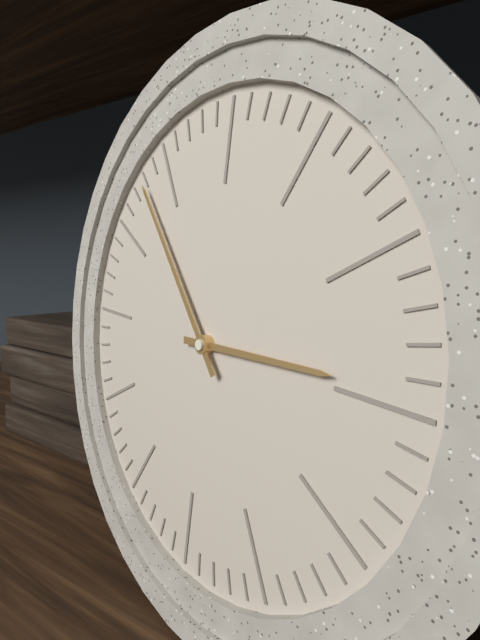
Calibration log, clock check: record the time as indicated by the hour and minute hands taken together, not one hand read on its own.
2:53
